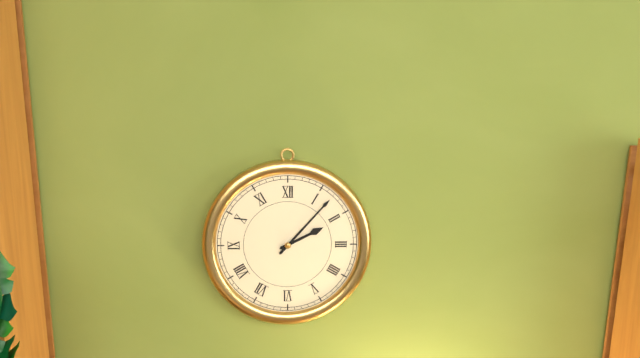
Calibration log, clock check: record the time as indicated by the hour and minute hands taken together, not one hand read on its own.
2:07
